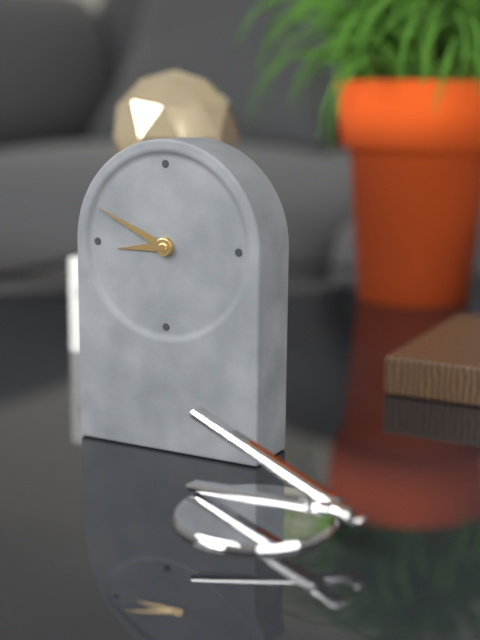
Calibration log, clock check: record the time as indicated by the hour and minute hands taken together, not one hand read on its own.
8:49
